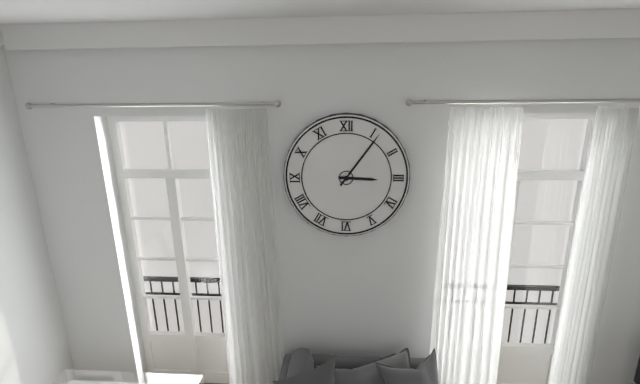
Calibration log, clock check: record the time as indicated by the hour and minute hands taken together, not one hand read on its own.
3:06
